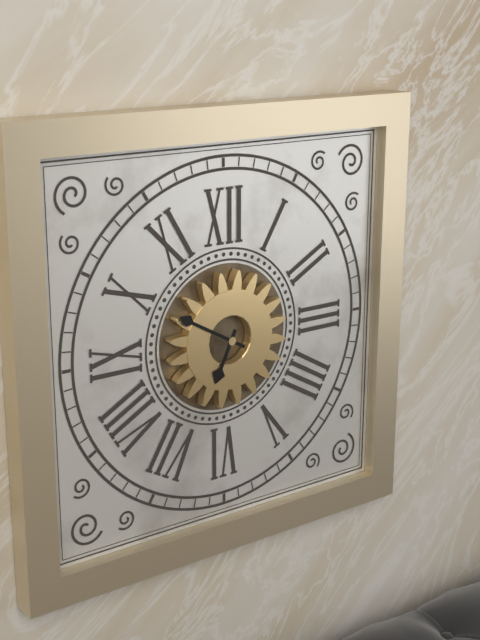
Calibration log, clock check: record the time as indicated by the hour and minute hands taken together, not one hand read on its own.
6:50
